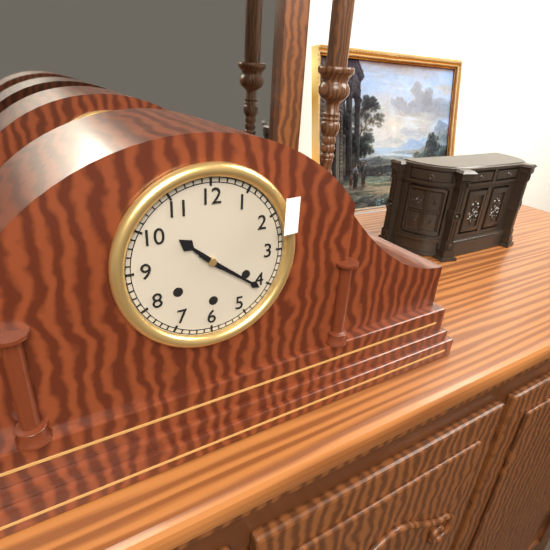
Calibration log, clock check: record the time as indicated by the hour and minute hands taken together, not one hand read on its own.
10:21
